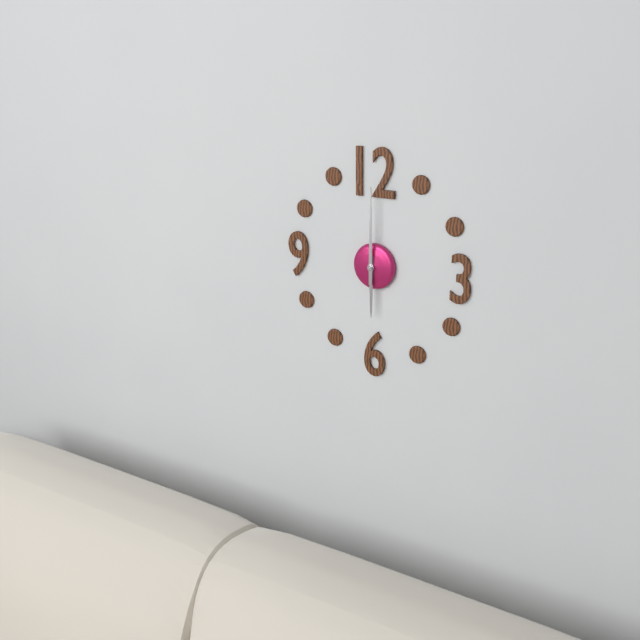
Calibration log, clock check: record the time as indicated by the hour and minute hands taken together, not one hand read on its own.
6:00
